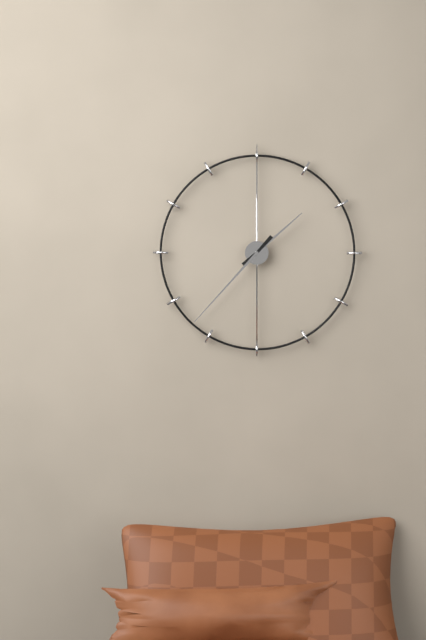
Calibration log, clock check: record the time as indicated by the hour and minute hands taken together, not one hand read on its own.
1:37
